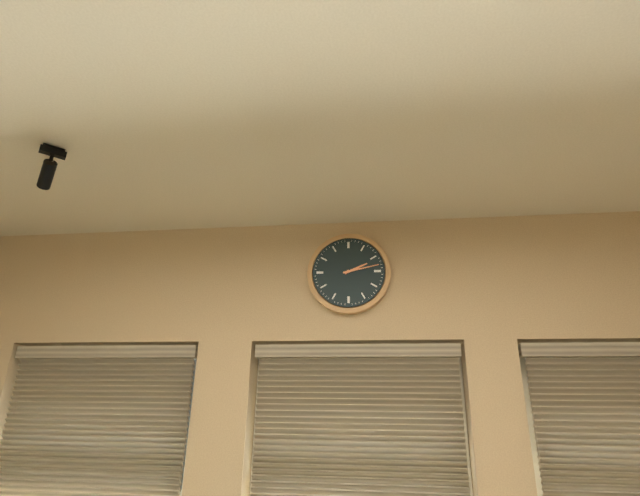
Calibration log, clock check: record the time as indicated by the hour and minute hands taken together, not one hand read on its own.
2:13
